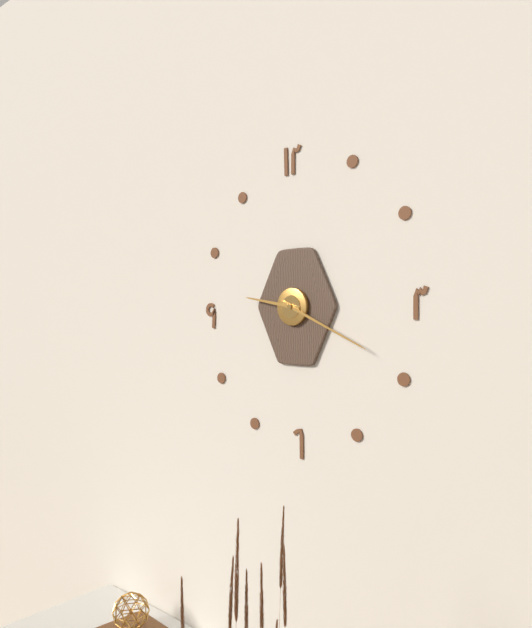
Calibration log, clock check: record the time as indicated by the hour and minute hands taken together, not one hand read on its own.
9:19
